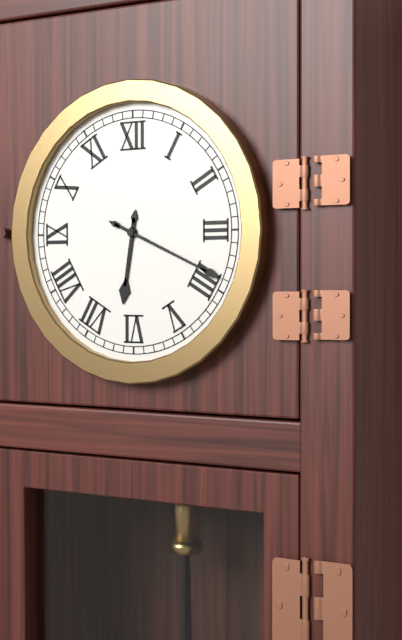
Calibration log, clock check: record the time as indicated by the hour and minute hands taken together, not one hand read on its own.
6:19
